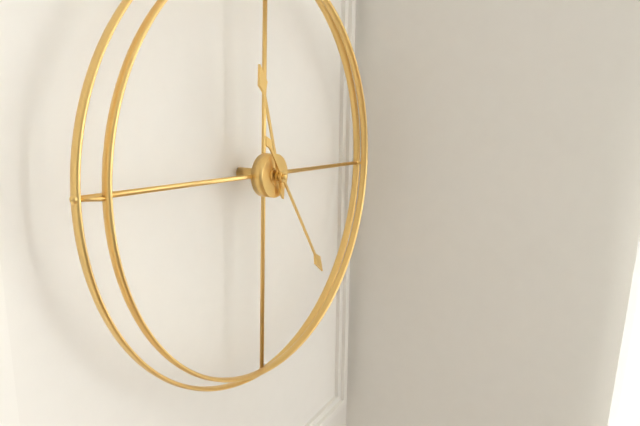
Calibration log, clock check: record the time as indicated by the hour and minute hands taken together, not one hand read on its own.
11:24
